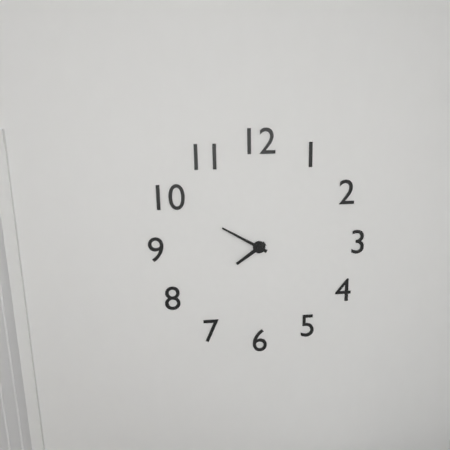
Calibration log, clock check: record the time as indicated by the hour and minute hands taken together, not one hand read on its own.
7:50
